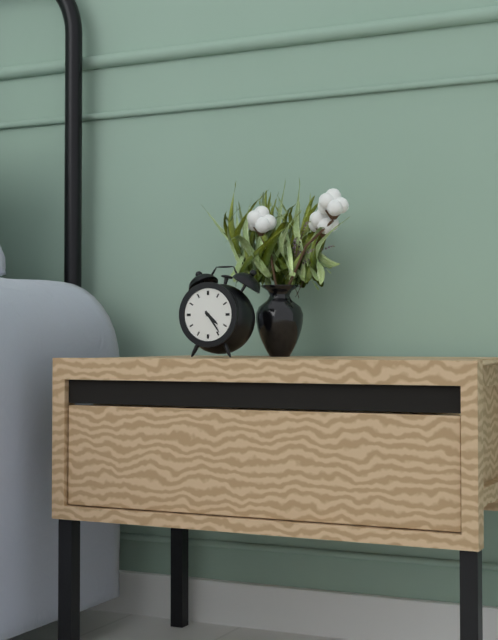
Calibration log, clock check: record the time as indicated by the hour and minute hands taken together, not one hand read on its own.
4:24
